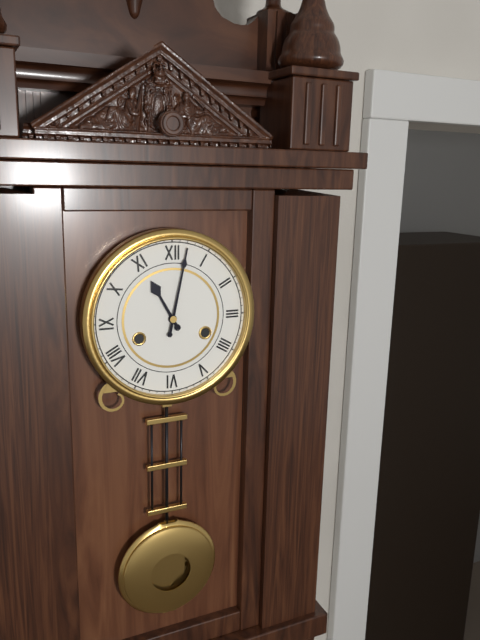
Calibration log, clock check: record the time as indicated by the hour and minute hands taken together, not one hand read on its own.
11:02
